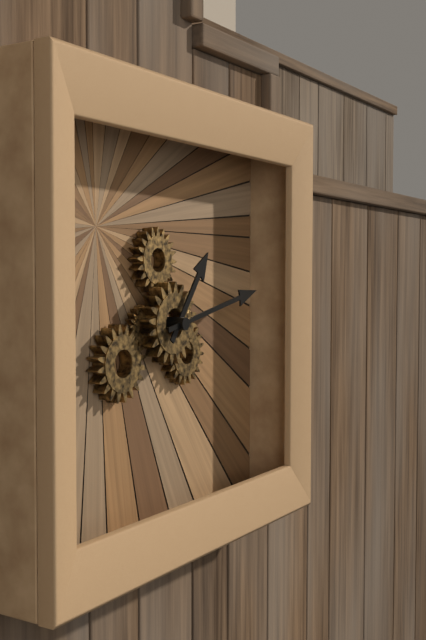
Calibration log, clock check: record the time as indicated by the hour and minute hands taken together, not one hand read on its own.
1:13
